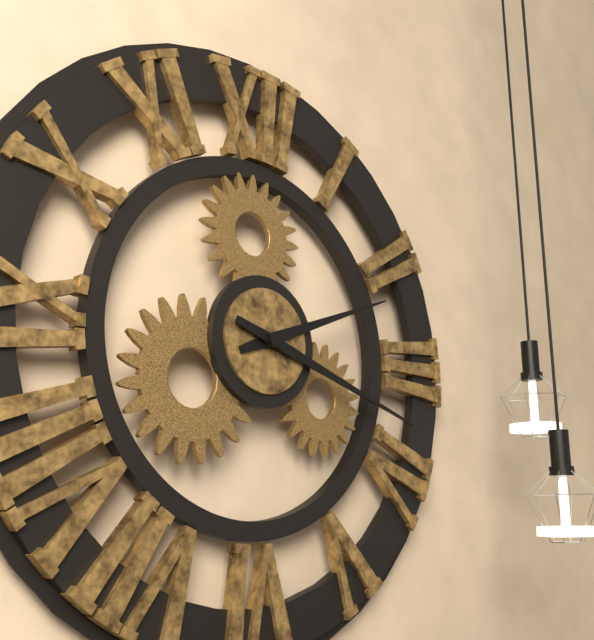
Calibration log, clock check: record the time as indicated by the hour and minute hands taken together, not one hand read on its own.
2:18
